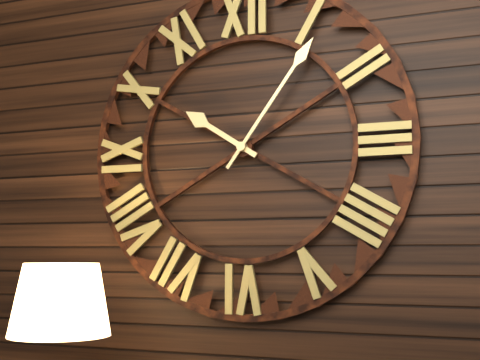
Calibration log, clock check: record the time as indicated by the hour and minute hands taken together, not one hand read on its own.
10:06
